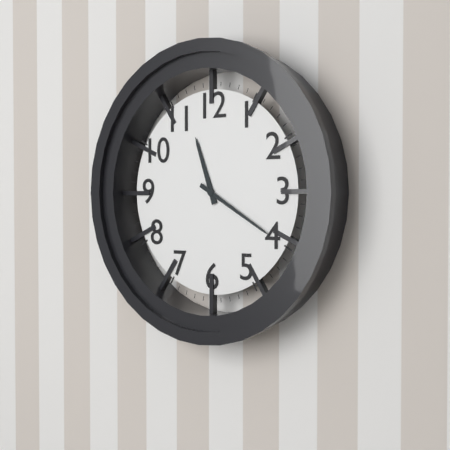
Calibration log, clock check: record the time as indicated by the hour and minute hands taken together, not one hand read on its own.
11:20
